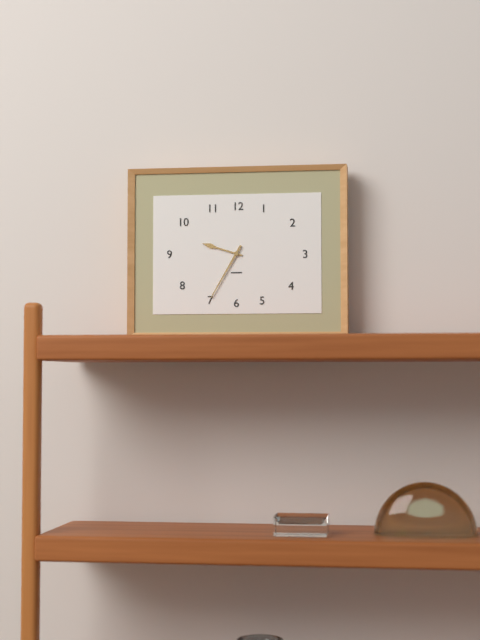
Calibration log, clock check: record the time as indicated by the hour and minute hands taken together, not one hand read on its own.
9:35
